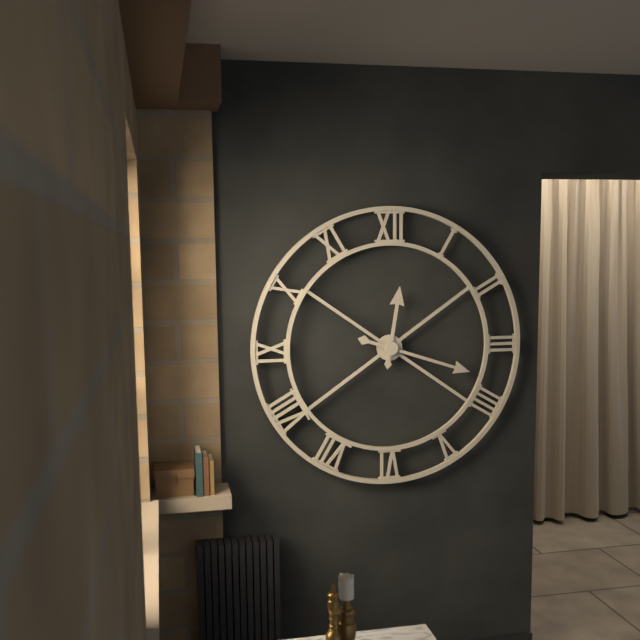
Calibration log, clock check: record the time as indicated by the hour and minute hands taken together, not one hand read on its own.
12:18
